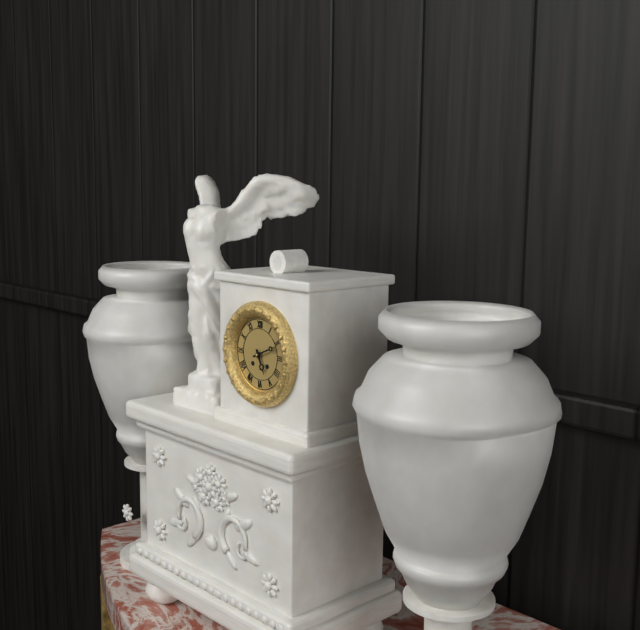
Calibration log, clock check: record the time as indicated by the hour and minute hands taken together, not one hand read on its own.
5:11
